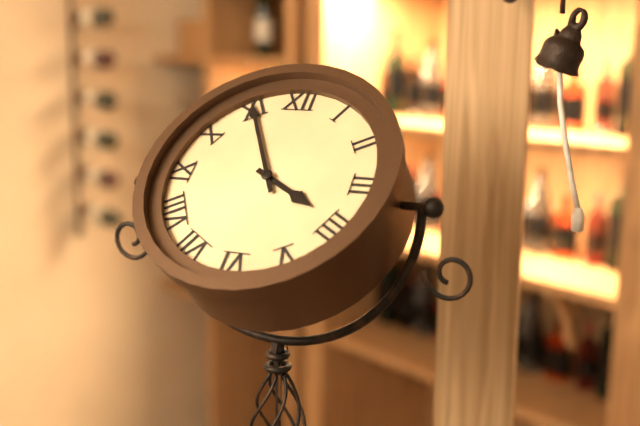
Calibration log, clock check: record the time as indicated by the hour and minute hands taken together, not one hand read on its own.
3:55
